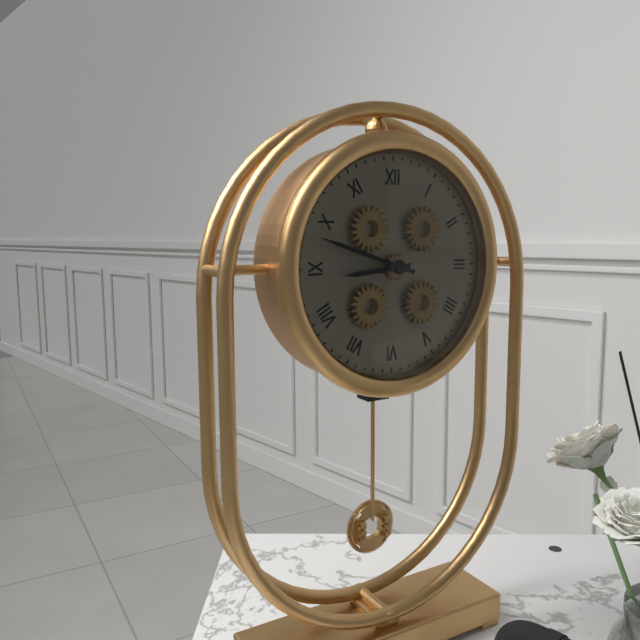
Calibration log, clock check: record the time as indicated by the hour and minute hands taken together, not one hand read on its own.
8:48
